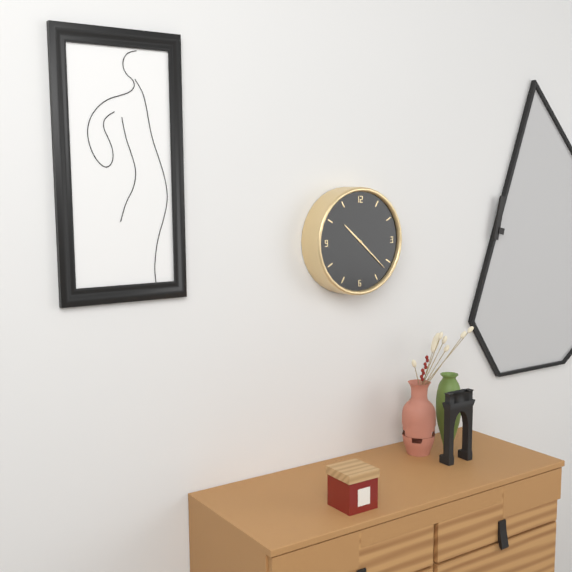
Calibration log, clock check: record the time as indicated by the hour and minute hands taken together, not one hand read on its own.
10:22
